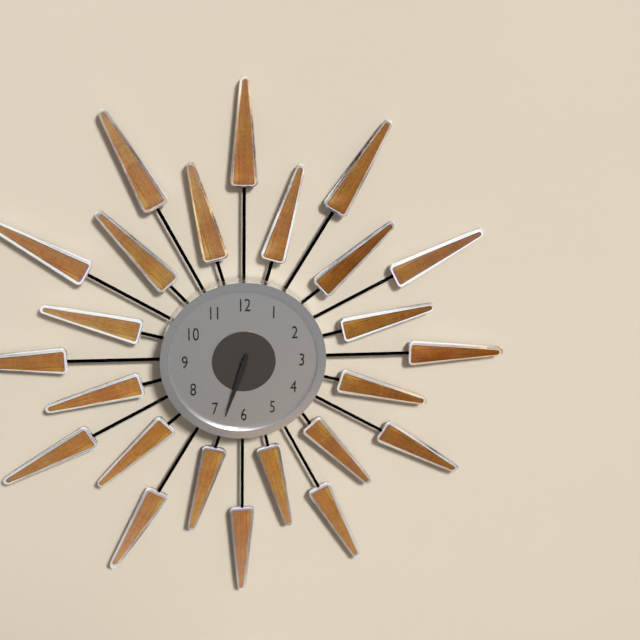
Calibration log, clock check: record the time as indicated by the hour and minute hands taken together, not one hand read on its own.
6:33
